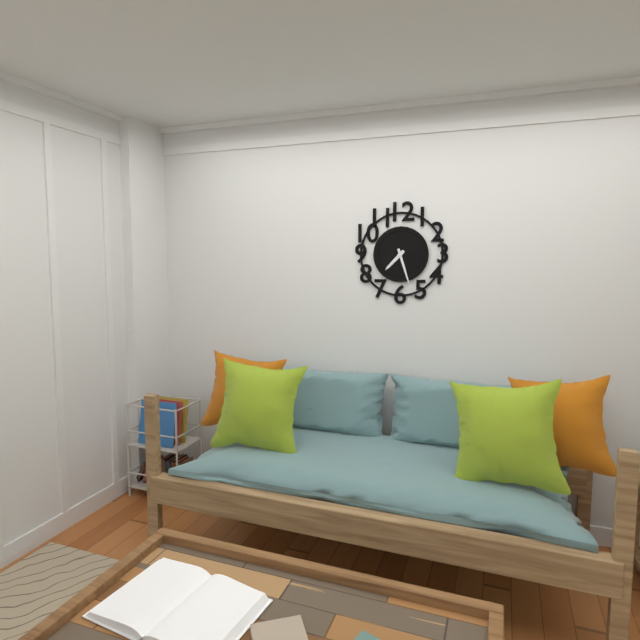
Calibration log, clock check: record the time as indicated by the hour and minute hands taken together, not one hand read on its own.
7:27
